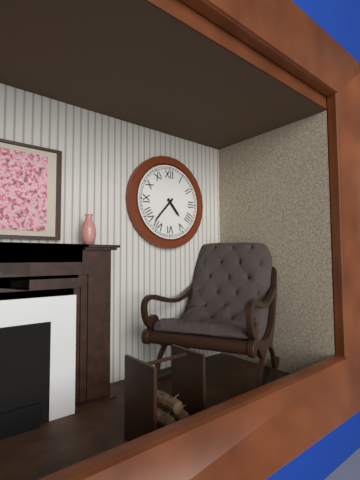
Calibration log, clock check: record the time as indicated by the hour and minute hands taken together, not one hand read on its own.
4:37
